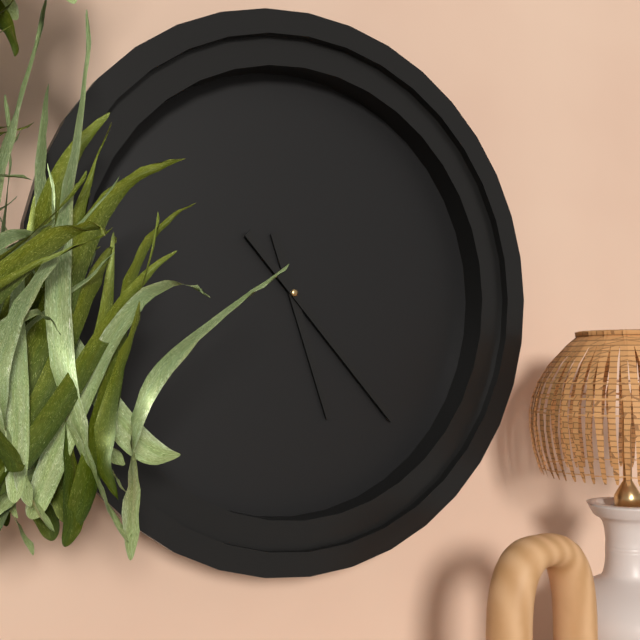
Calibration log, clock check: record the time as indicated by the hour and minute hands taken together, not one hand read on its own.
5:23
